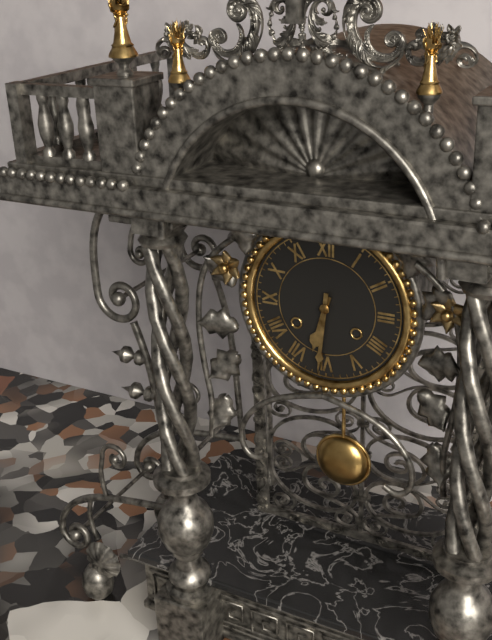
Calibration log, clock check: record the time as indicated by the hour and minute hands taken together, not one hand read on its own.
6:31
